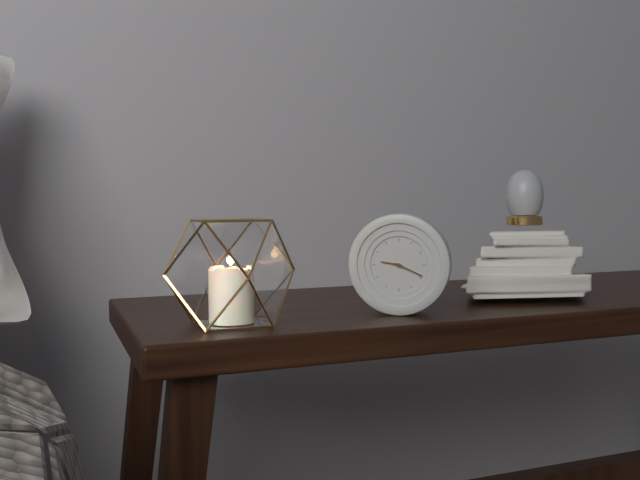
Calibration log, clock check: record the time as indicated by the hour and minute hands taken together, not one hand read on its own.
9:19
